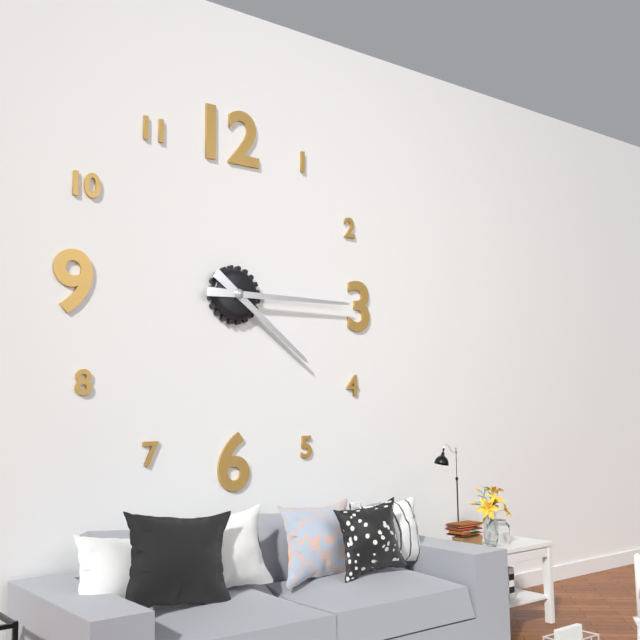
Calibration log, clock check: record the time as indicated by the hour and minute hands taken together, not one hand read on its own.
4:15
